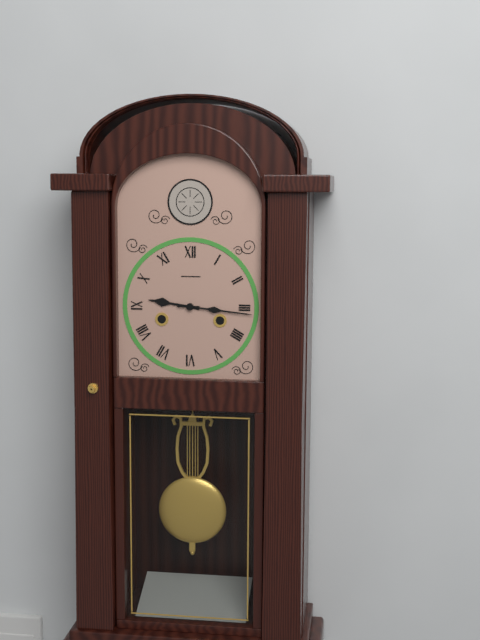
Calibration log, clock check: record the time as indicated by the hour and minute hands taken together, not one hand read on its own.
9:16
